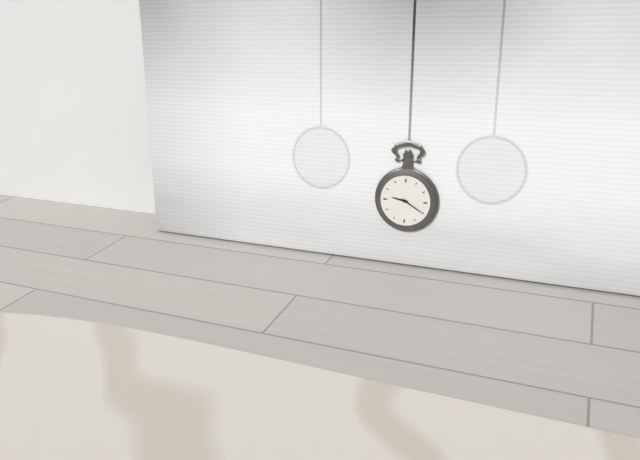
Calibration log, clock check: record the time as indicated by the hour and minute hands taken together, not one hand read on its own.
9:20
